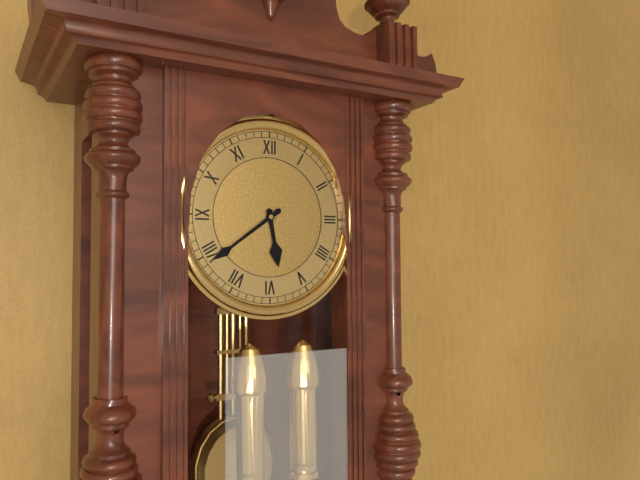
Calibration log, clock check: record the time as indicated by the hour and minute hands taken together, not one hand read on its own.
5:39
